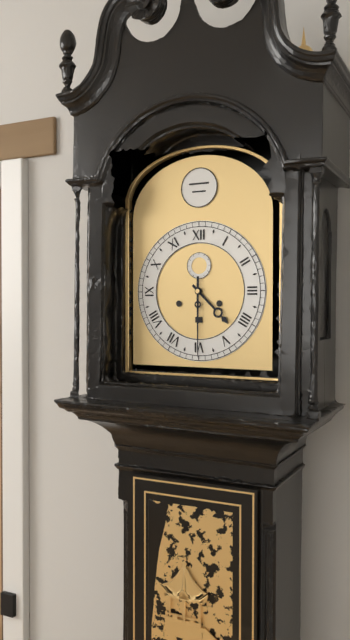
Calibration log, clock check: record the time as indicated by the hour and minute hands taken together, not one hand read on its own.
4:30
